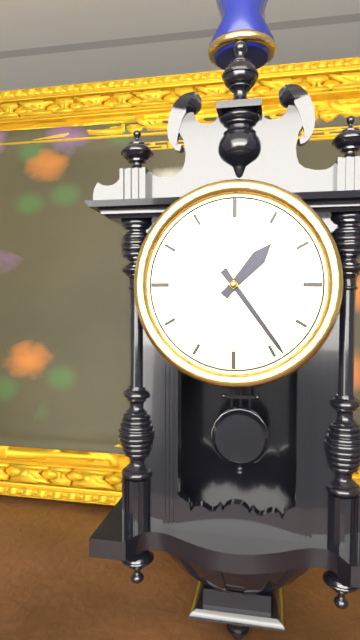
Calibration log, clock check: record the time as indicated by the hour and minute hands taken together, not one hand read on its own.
1:24
